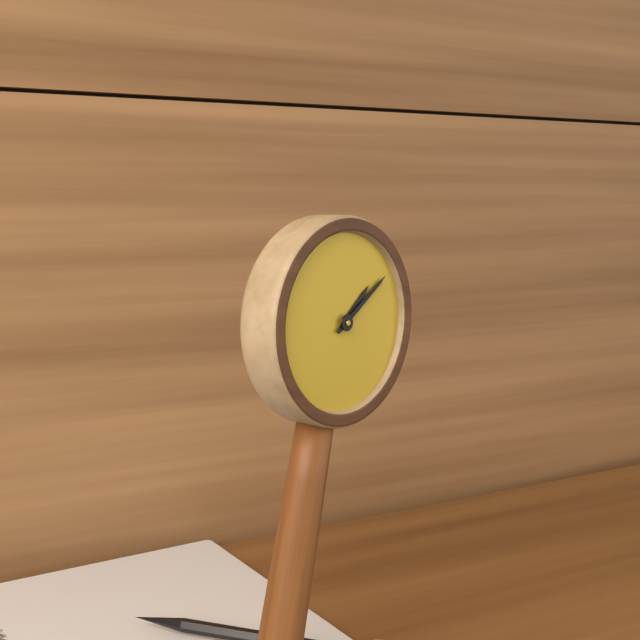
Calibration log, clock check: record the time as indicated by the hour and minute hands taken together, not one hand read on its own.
1:07
